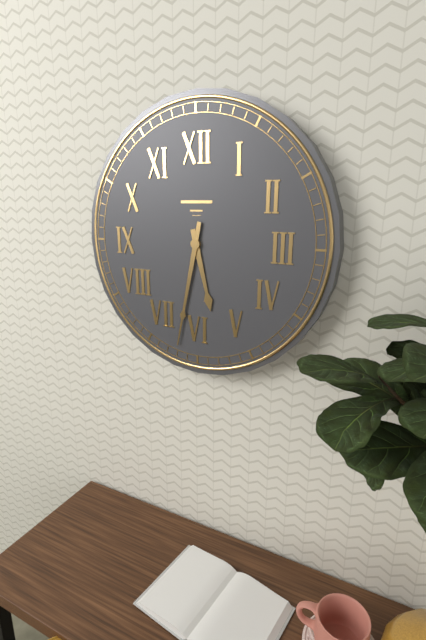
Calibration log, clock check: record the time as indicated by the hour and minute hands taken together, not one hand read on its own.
5:32
